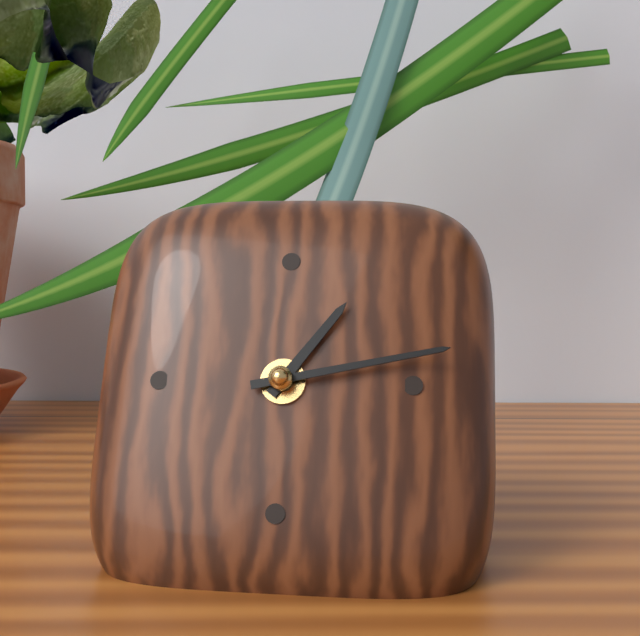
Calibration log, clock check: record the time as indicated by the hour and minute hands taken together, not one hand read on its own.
1:13
